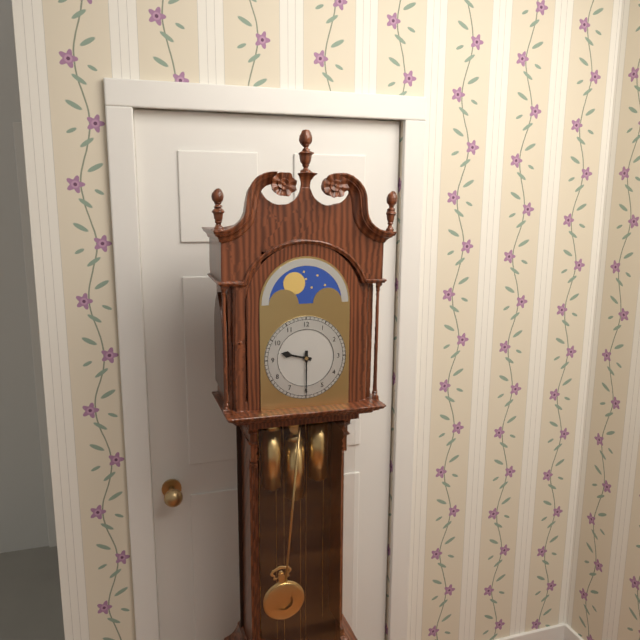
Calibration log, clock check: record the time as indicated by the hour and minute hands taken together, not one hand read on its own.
9:30
